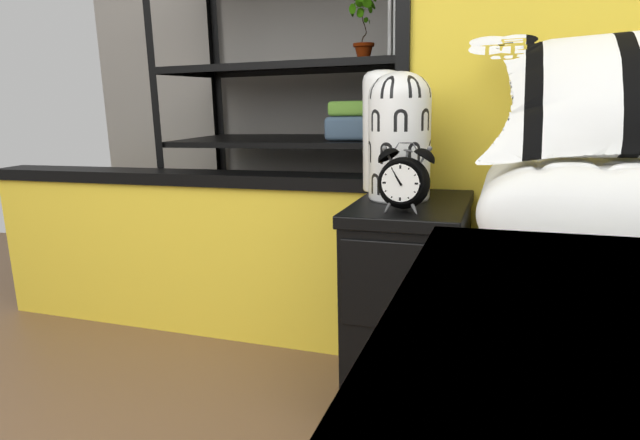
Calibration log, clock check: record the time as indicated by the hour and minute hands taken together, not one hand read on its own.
10:55
